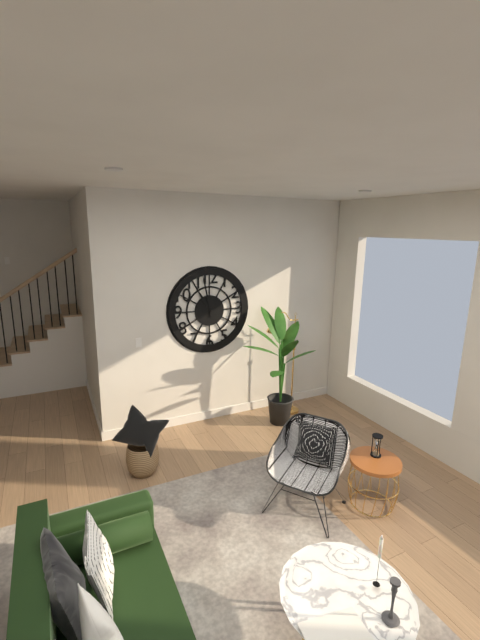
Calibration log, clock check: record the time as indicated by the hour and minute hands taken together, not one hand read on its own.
10:58
